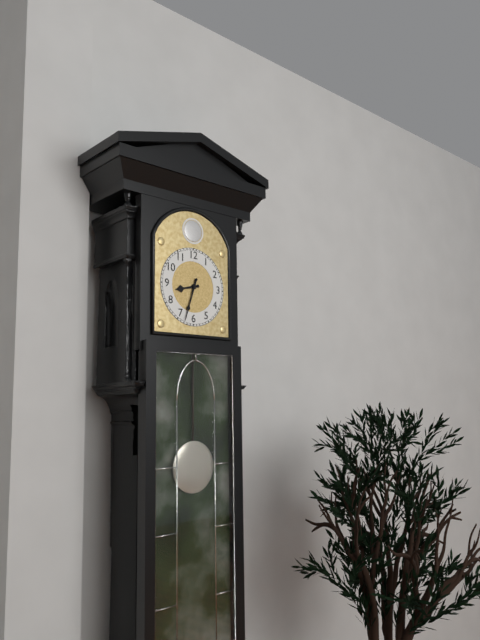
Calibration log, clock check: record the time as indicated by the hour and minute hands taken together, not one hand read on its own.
8:33
